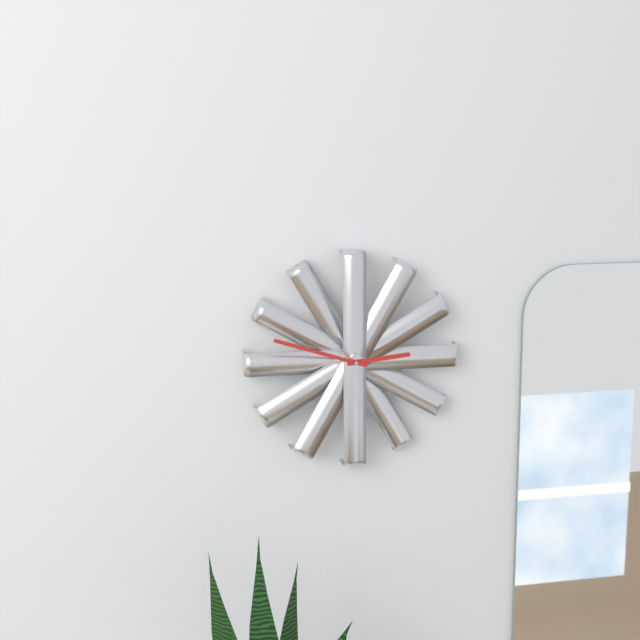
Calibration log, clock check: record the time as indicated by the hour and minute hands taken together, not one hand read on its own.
2:48
